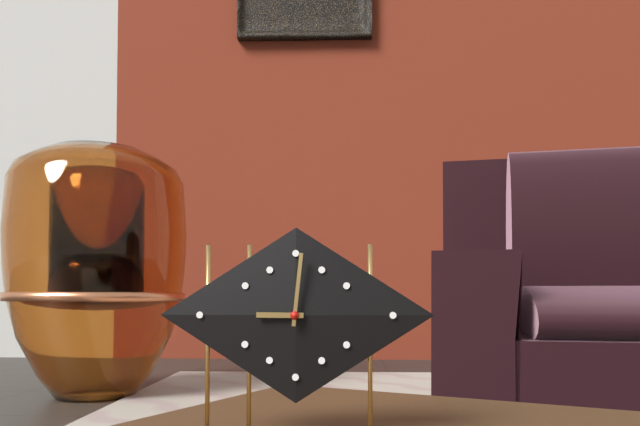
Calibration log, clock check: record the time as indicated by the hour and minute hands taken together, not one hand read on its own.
9:01
